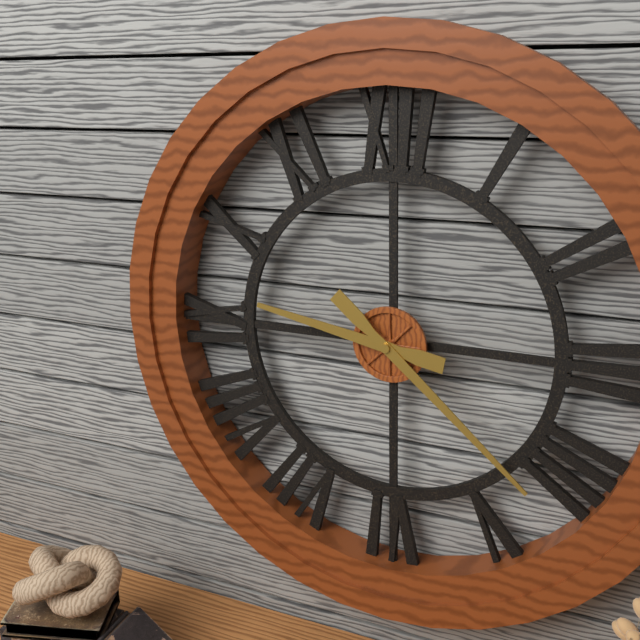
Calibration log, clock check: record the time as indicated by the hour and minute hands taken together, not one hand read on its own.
9:22
